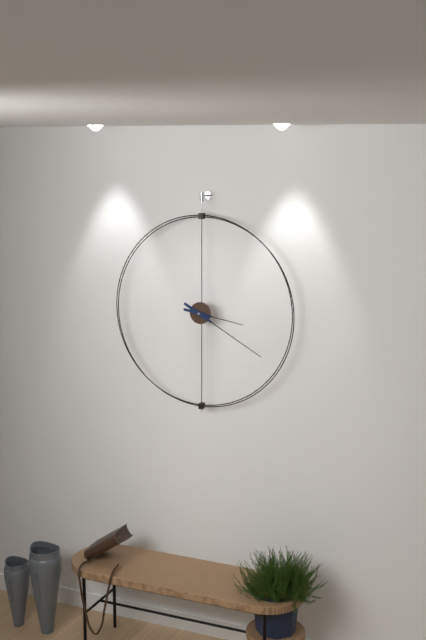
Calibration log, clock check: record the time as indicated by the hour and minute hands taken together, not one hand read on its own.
3:20
